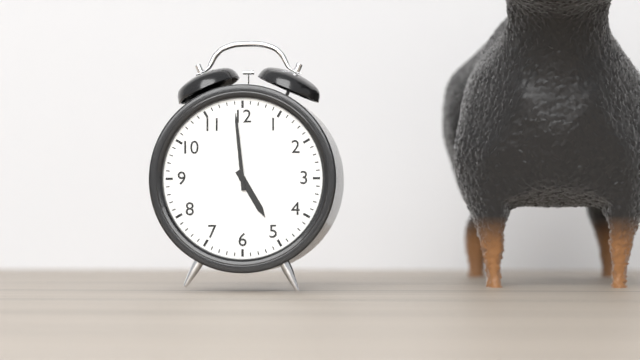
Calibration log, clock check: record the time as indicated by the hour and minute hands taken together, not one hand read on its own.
4:59
